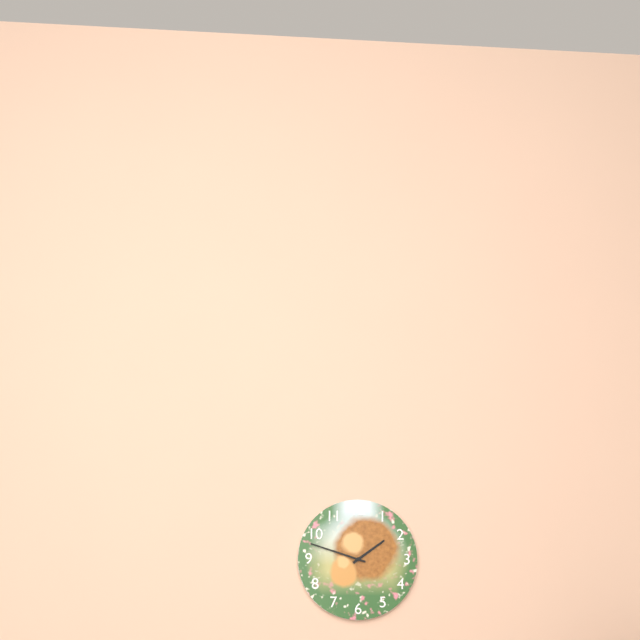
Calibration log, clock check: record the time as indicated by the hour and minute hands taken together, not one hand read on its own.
1:48
